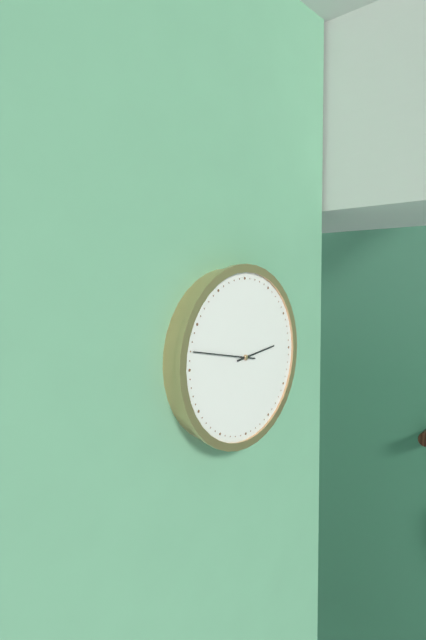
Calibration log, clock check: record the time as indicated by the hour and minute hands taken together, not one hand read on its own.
2:47
